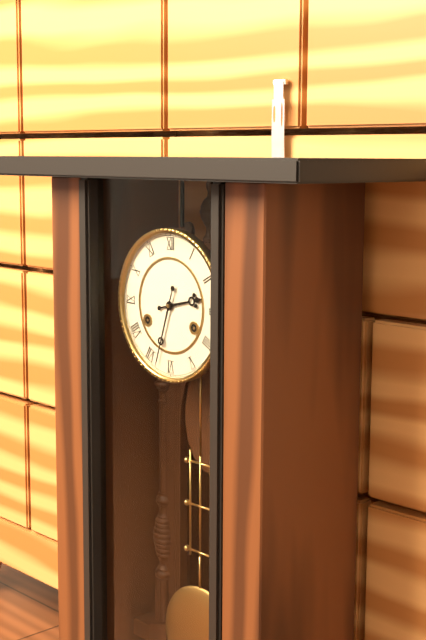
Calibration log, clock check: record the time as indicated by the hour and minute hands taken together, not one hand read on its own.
2:33
